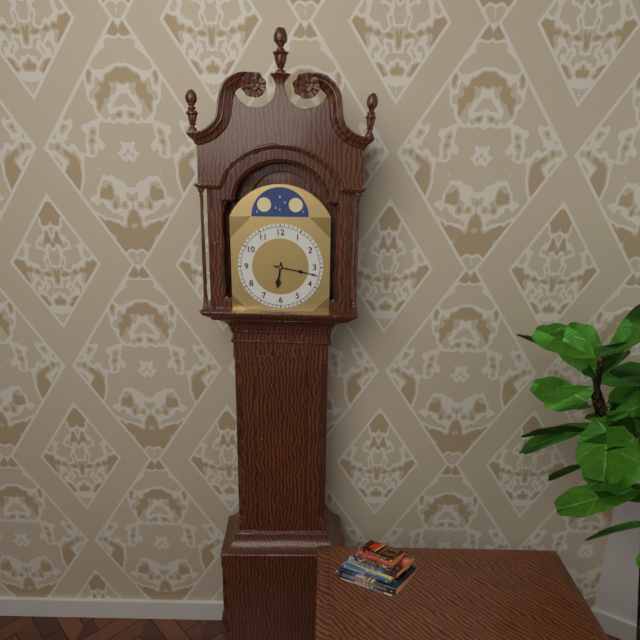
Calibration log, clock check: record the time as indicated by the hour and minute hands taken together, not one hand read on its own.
6:17
